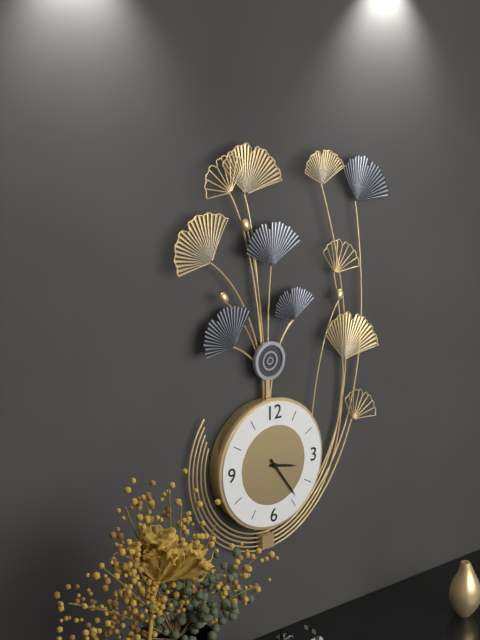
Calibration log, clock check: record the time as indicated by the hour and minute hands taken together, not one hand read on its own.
3:24
